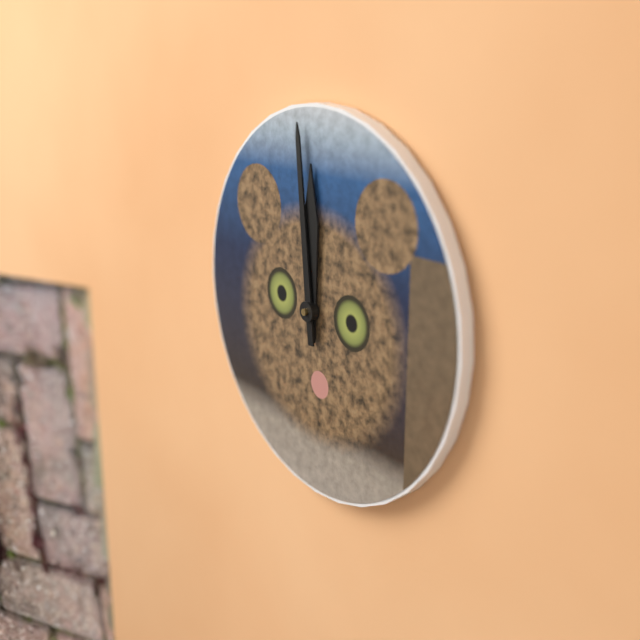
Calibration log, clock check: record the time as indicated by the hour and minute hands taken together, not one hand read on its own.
11:59
